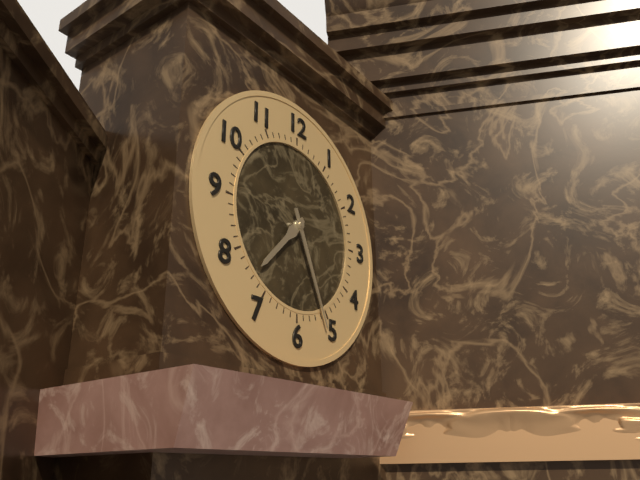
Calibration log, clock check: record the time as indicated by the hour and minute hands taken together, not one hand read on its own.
7:26
